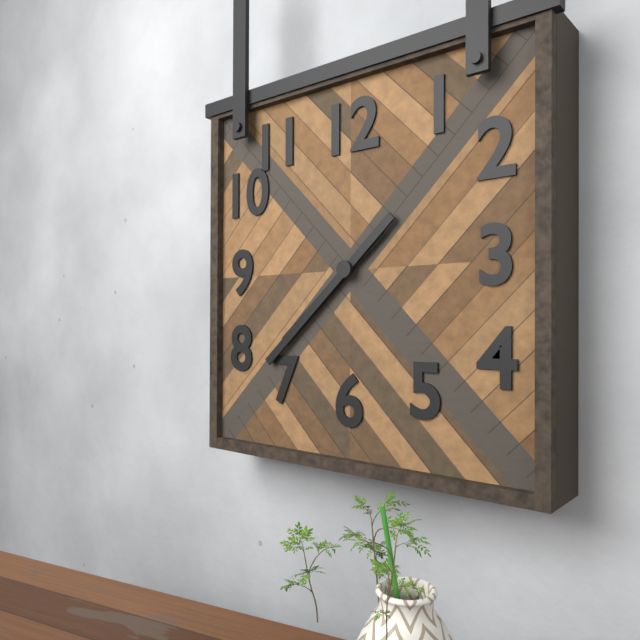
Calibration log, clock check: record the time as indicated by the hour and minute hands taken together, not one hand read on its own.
7:38
